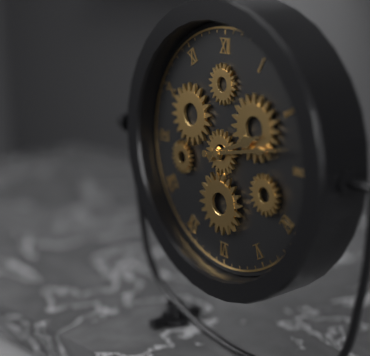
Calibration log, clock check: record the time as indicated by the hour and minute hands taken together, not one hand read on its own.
2:13
